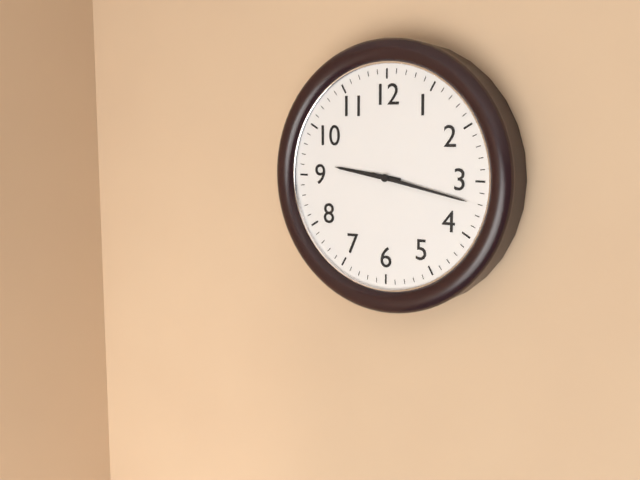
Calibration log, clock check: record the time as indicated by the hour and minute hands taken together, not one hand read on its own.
9:17
